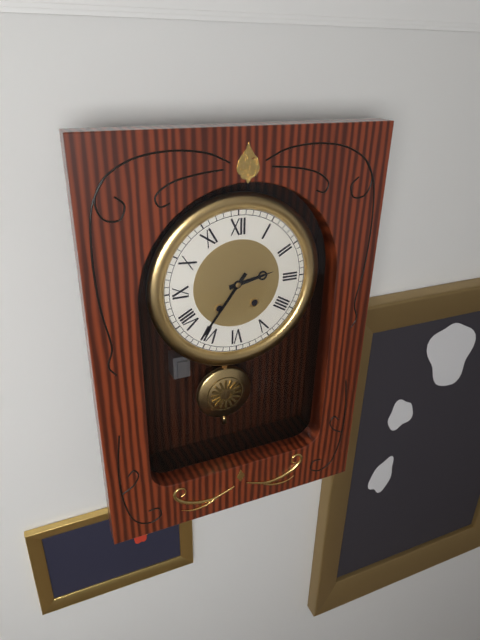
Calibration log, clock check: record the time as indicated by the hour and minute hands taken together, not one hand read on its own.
2:36
